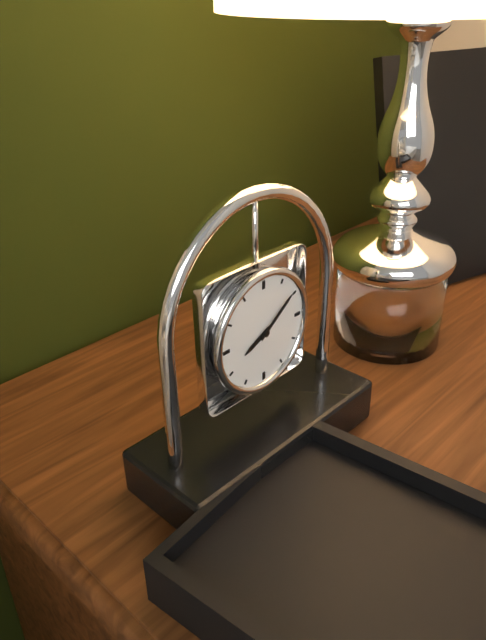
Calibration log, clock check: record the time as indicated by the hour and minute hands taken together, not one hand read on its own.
8:09
